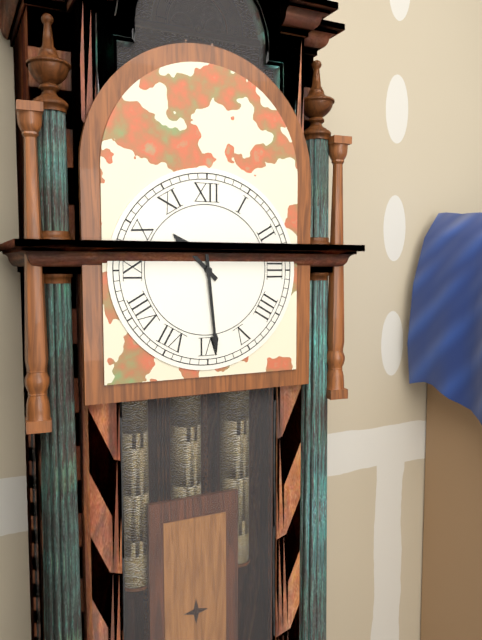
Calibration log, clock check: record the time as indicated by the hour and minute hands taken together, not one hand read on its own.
10:29
